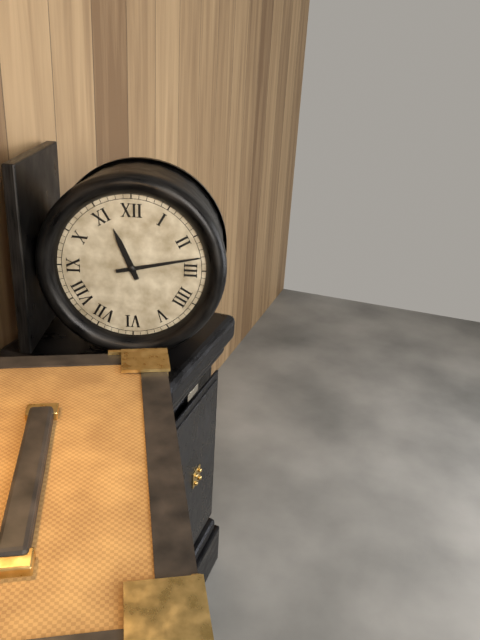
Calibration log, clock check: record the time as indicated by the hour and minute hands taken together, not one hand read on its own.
11:13
